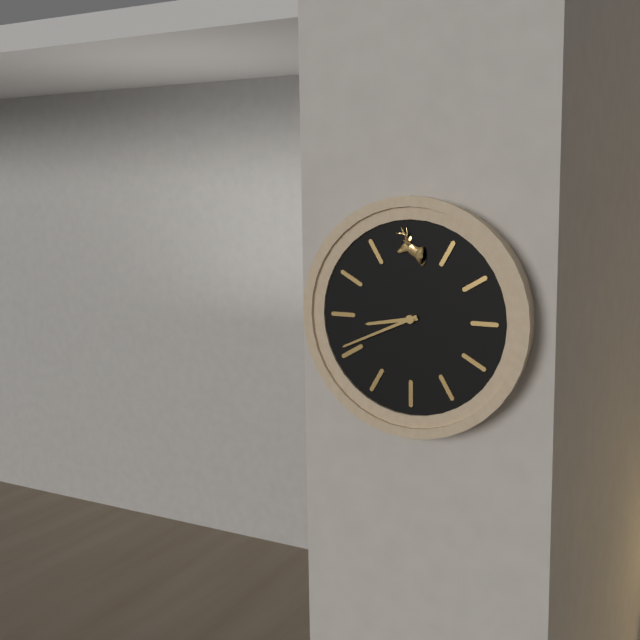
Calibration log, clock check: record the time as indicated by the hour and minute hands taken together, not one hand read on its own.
8:41
